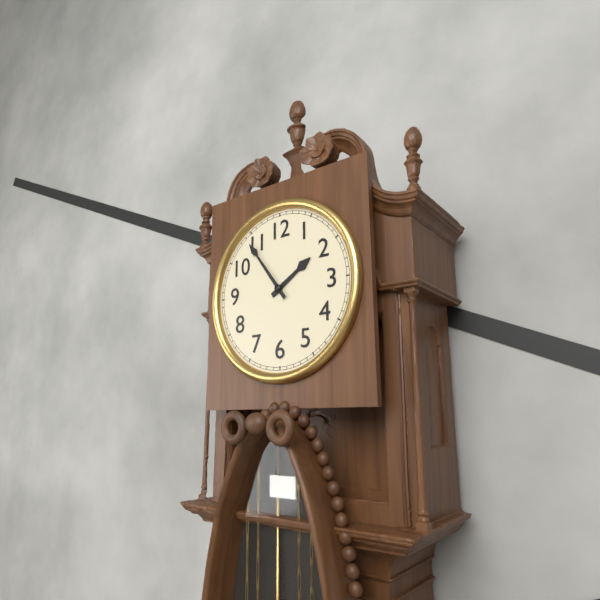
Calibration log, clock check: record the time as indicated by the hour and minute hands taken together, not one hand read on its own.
1:54
